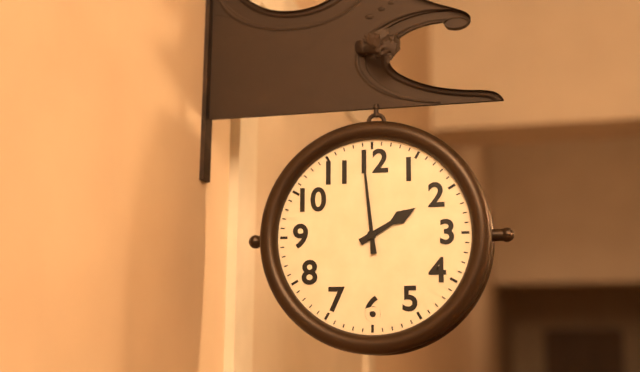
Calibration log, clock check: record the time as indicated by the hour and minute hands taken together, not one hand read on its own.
1:59
